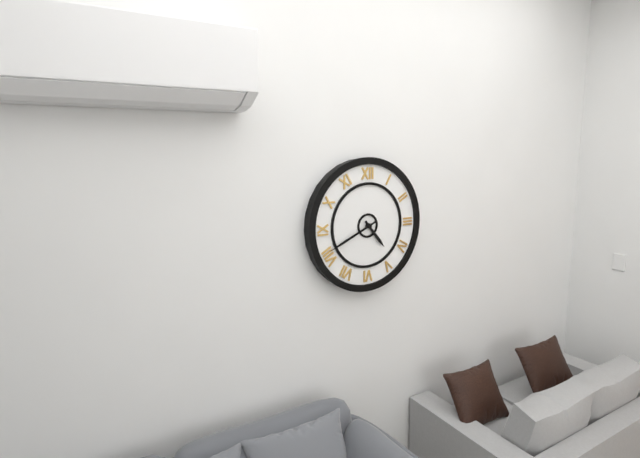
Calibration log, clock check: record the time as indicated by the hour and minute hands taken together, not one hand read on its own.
4:41
